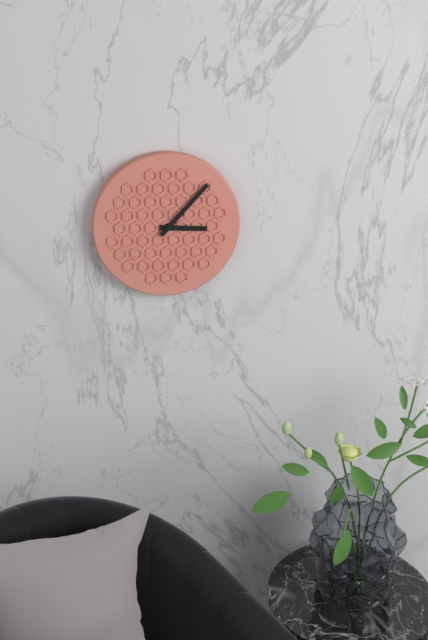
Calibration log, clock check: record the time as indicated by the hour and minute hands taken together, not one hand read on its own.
3:07
